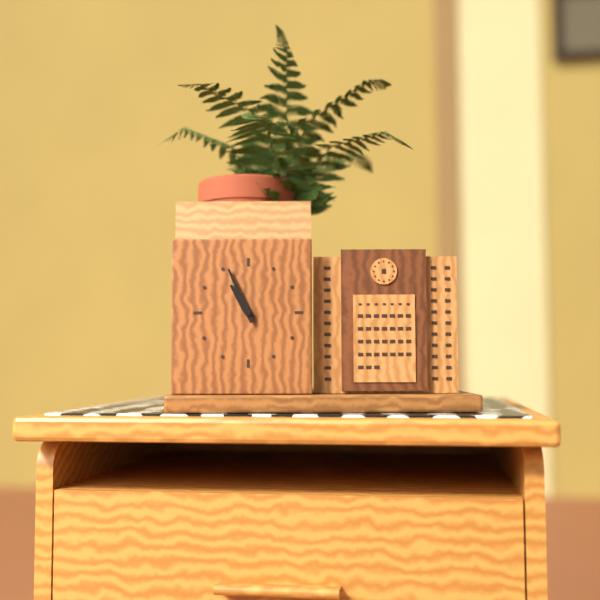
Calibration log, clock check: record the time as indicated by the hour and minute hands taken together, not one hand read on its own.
10:56
